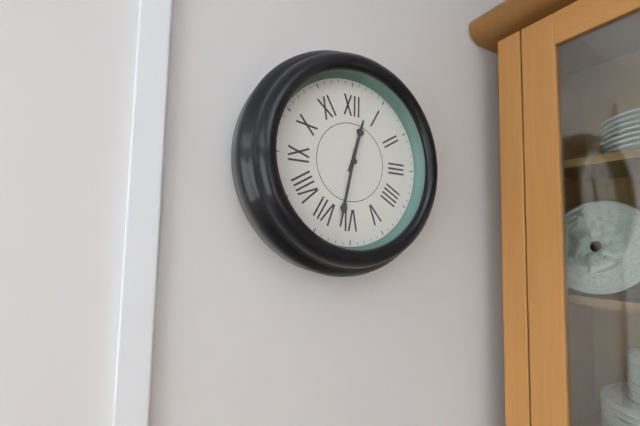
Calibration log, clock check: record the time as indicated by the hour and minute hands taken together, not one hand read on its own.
12:32
